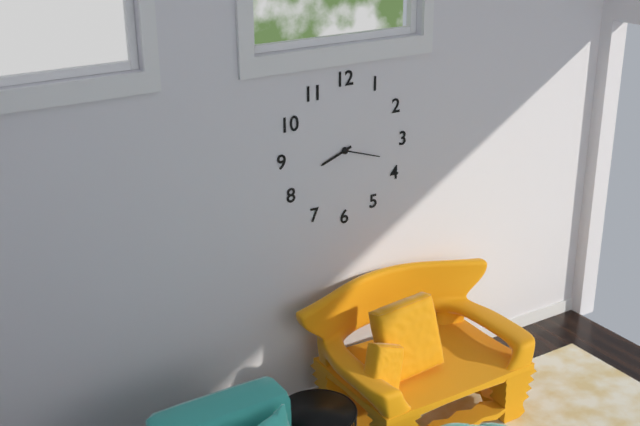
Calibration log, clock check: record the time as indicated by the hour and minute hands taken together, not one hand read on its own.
8:18
